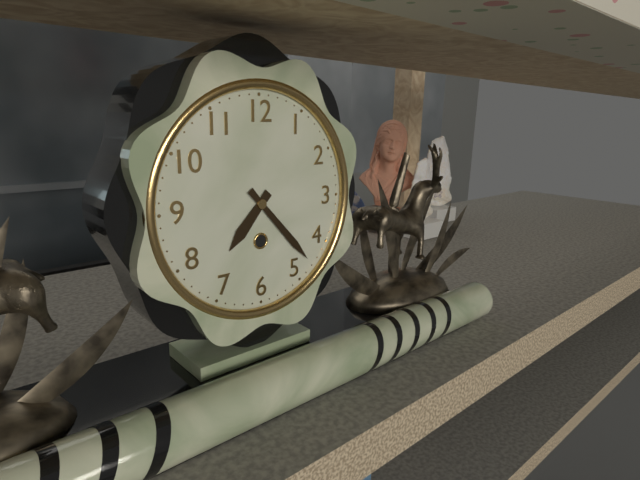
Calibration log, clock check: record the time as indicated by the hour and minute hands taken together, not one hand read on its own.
7:23
